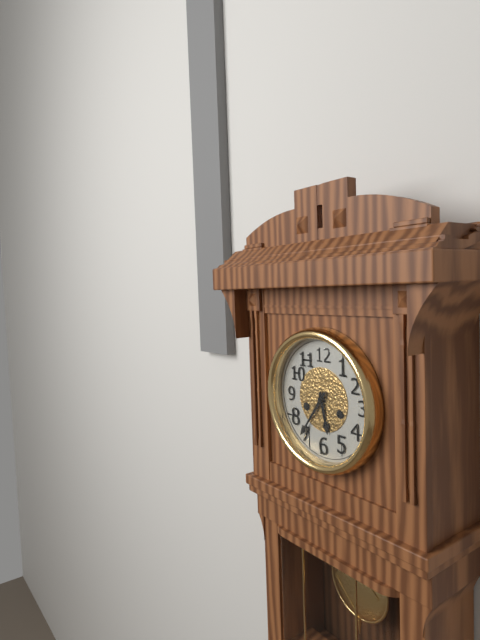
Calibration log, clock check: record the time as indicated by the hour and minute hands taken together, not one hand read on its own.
5:36
